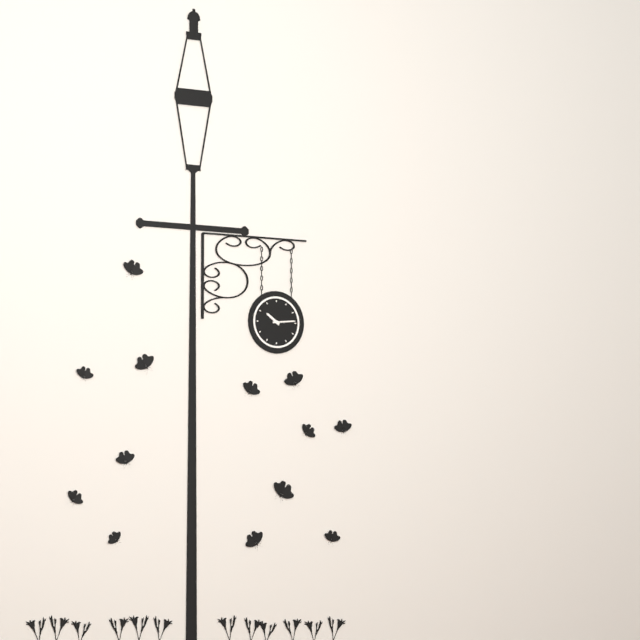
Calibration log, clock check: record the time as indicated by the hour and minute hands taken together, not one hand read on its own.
10:14
